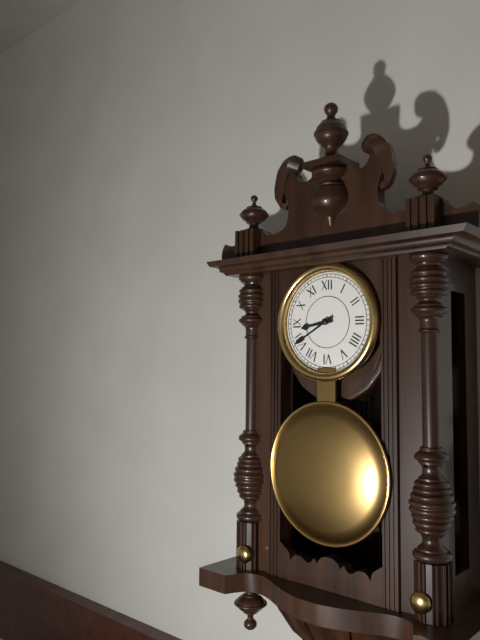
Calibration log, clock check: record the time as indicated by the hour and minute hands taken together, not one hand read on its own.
8:40
